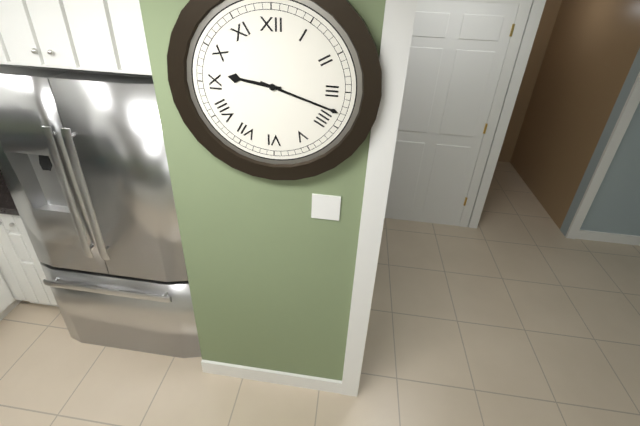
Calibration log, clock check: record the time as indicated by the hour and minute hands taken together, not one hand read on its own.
9:18
